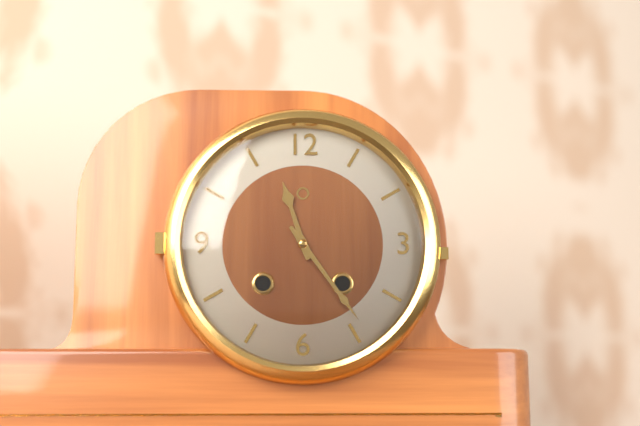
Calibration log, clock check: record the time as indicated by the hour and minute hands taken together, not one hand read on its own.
11:24
